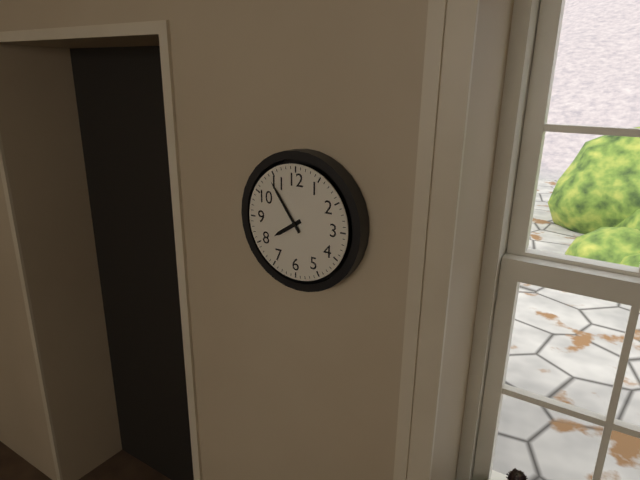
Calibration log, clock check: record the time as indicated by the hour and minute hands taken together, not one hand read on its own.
7:54
